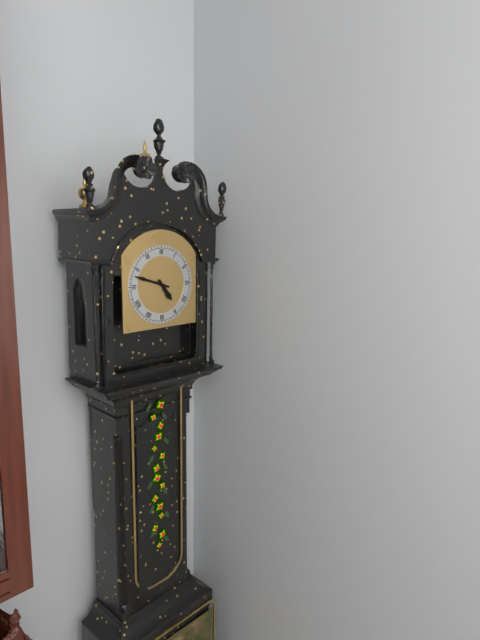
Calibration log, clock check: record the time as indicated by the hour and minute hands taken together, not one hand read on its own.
4:48
